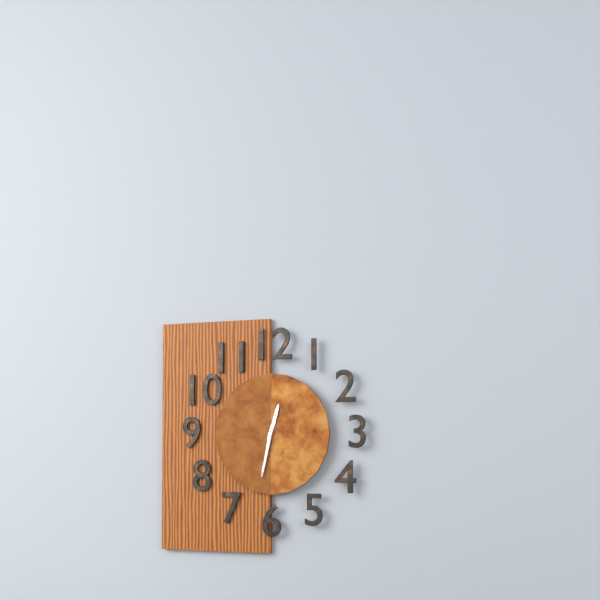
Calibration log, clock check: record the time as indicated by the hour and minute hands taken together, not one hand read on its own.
12:32
